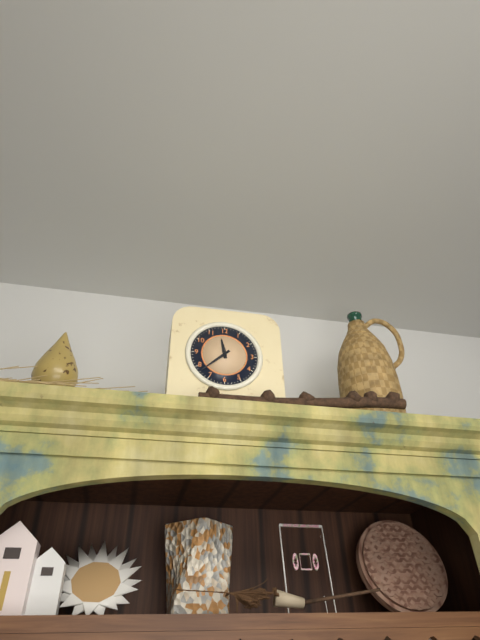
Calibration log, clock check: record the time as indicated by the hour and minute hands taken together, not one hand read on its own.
11:38
